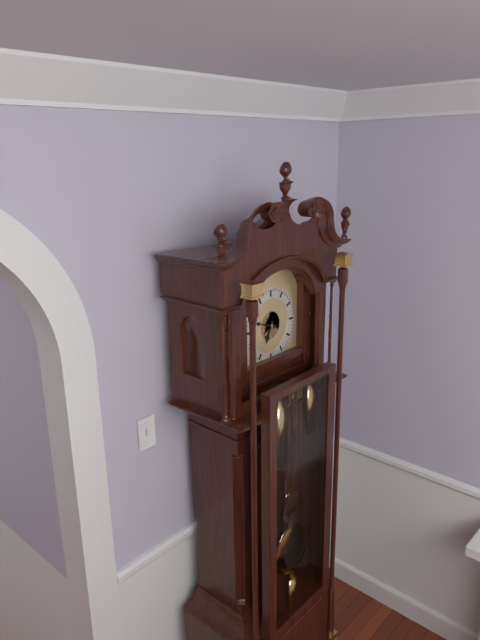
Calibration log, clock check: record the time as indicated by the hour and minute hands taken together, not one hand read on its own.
6:48
